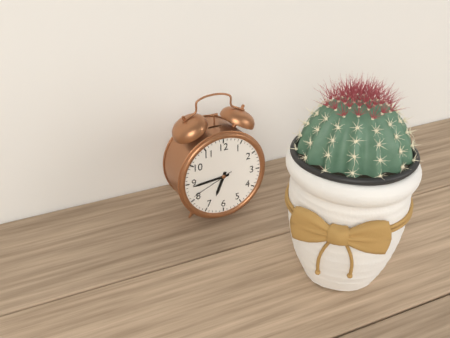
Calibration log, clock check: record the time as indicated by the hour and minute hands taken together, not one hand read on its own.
6:44
